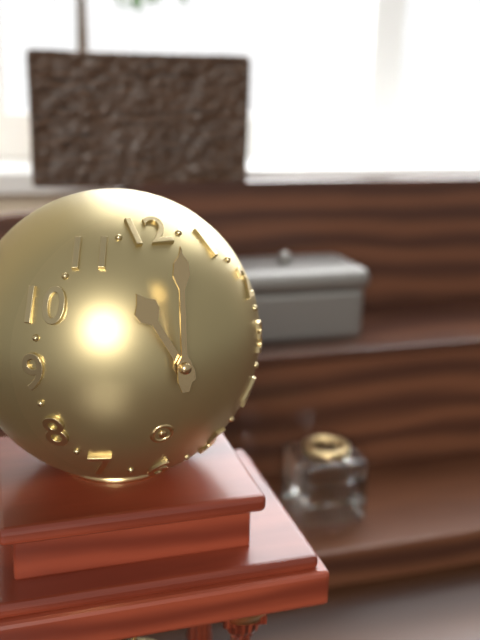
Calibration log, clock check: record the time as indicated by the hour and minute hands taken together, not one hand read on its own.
11:00
